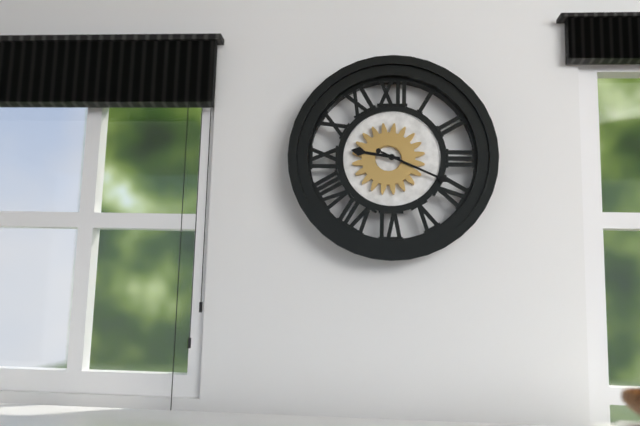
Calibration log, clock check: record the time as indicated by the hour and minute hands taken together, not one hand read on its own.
9:19
